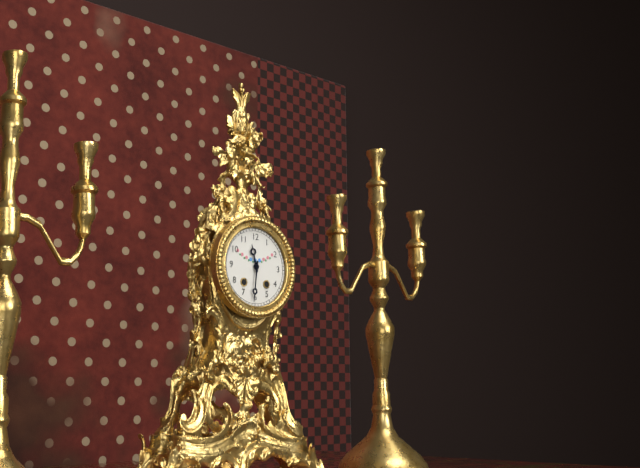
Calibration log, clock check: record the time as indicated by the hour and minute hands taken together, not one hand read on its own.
11:31
